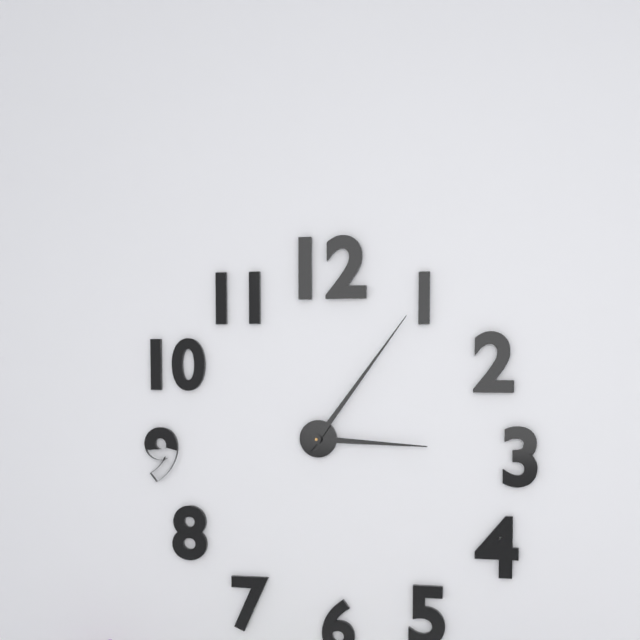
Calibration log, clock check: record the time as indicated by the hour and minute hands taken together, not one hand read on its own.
3:06
